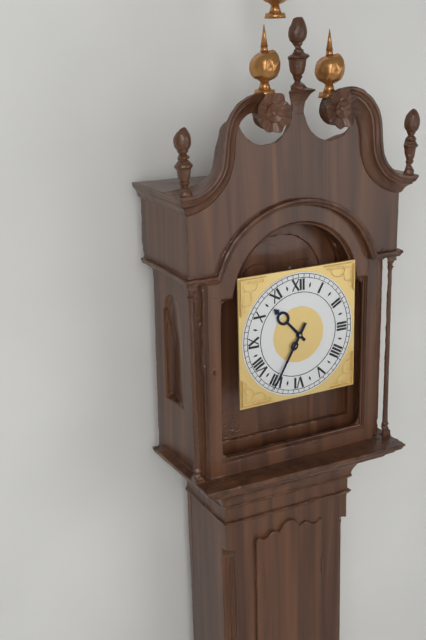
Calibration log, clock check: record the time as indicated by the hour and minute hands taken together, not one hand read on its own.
10:35
